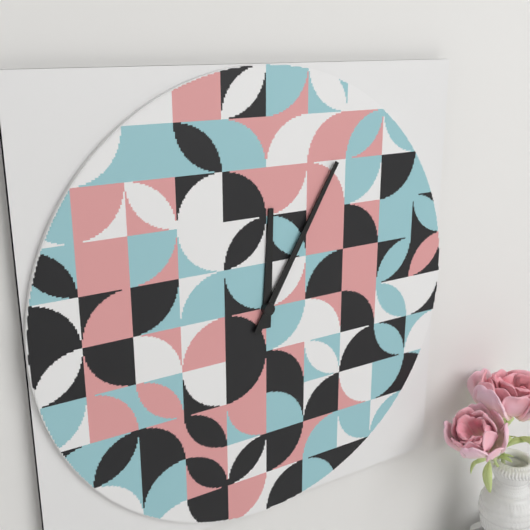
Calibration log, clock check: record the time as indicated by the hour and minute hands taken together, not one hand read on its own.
12:05
